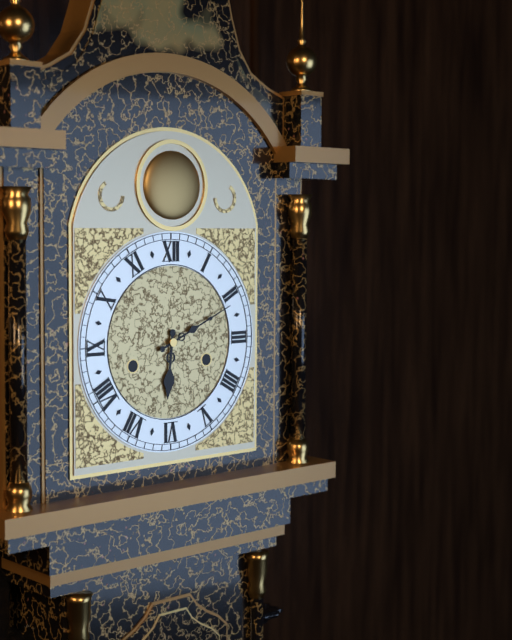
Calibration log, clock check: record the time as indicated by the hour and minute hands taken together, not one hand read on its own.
6:11
